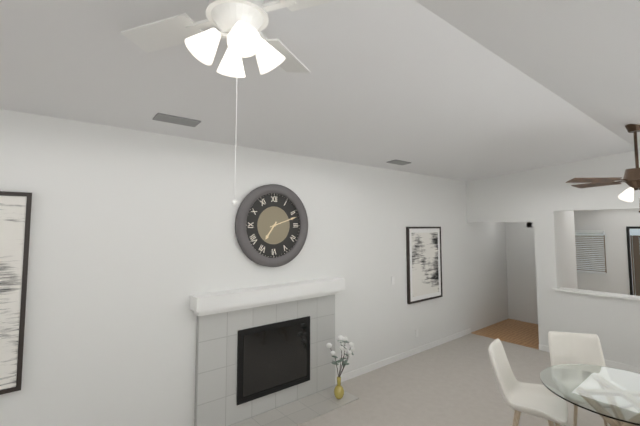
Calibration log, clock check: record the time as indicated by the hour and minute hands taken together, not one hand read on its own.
7:12
